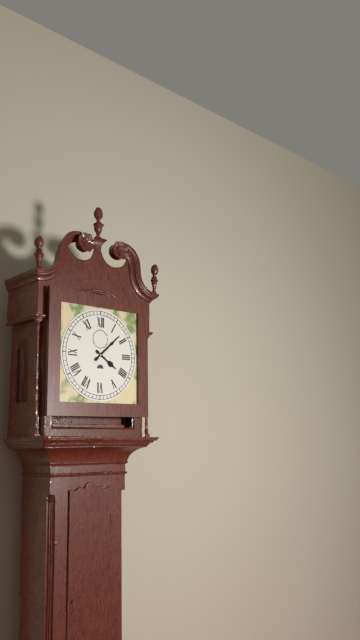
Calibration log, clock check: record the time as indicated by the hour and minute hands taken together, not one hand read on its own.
4:08
